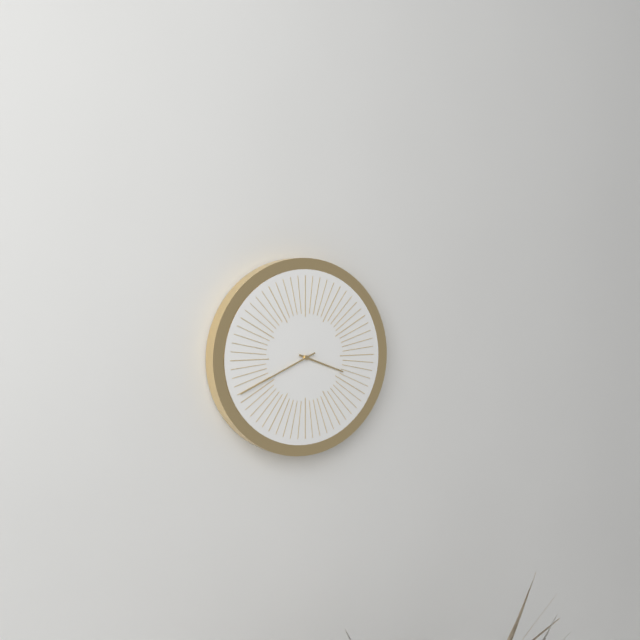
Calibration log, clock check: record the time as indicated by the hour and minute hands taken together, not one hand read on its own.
3:41
